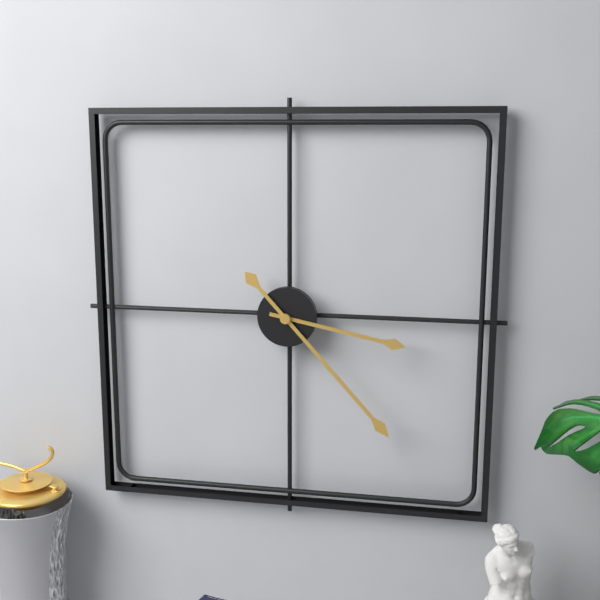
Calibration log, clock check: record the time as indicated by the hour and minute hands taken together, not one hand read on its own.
3:23
